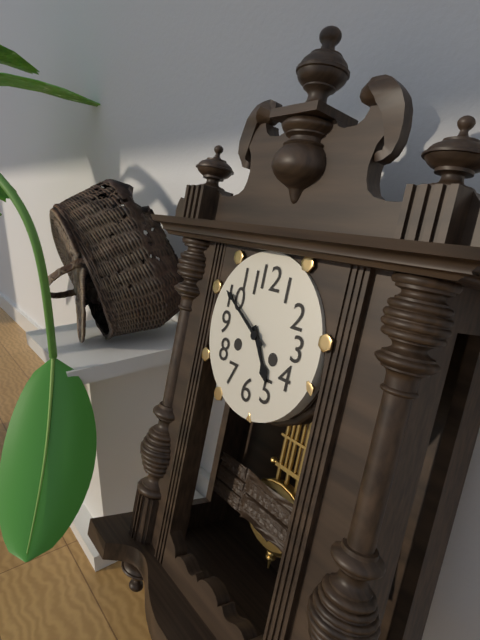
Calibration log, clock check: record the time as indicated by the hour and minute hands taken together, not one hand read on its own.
4:50
